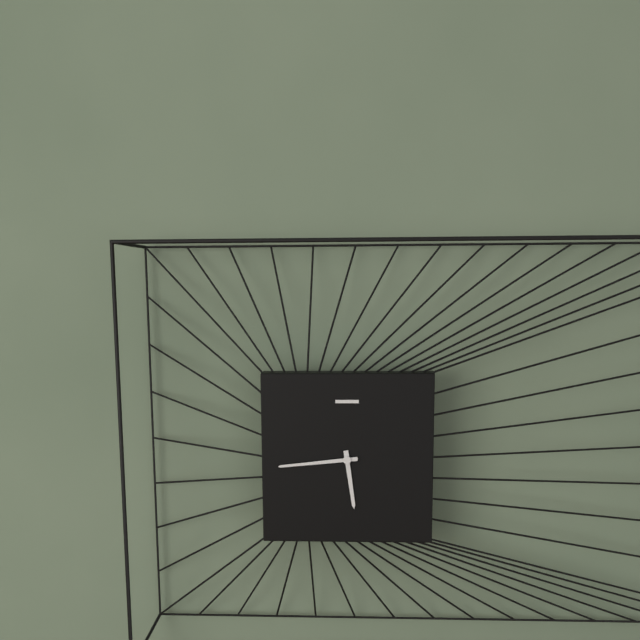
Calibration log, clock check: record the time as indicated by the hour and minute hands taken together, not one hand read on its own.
5:44
